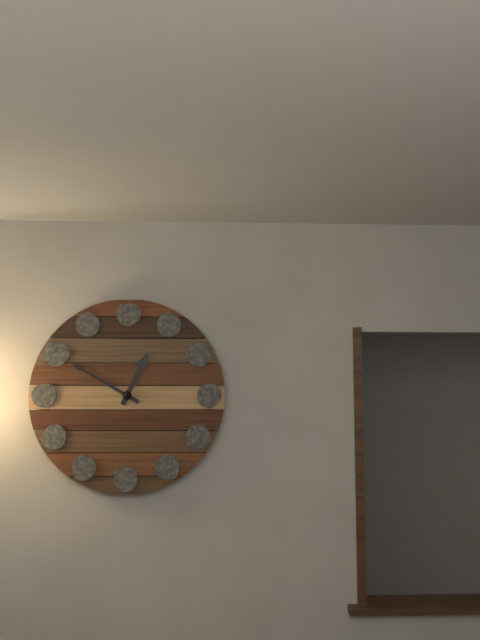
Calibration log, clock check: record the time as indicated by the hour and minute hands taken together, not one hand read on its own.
12:50
